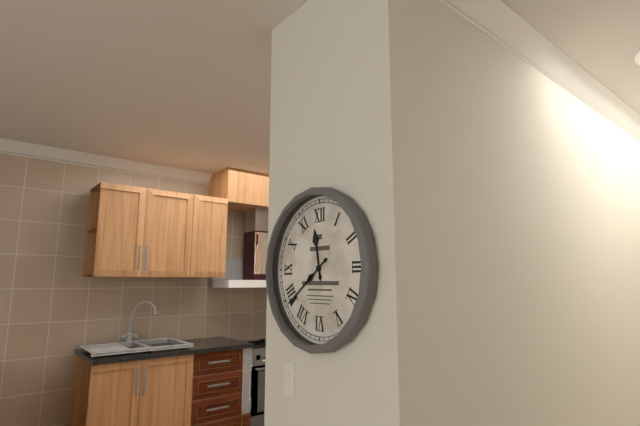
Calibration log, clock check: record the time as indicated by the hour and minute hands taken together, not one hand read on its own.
11:39
